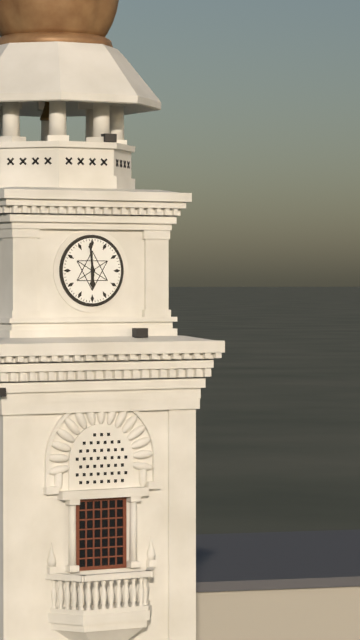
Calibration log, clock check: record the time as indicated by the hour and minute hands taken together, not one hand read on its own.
5:59
